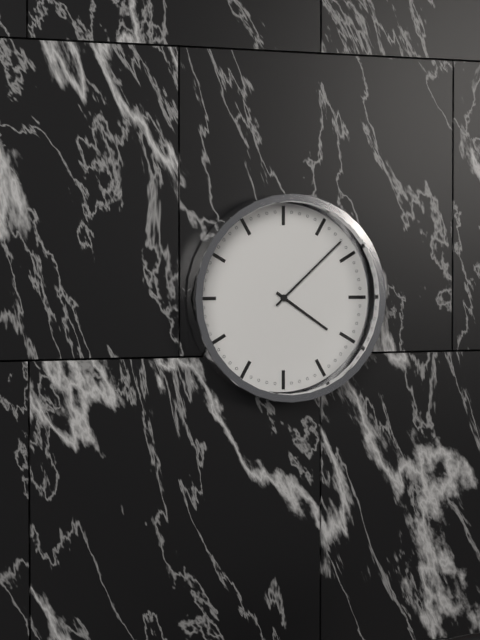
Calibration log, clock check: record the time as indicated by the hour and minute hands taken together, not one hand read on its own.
4:08
